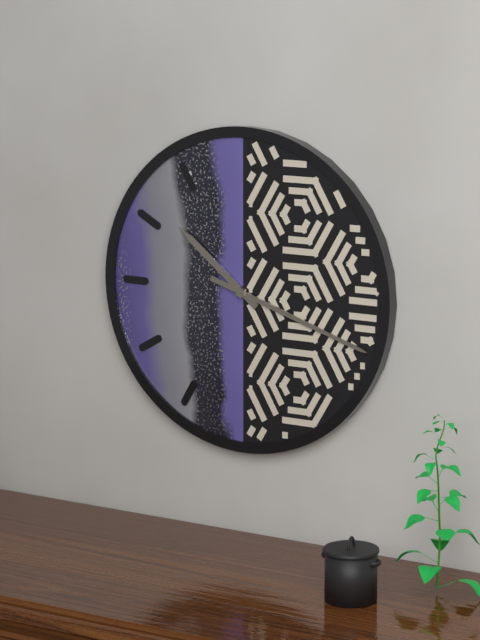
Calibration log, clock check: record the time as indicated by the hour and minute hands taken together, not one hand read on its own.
10:18
